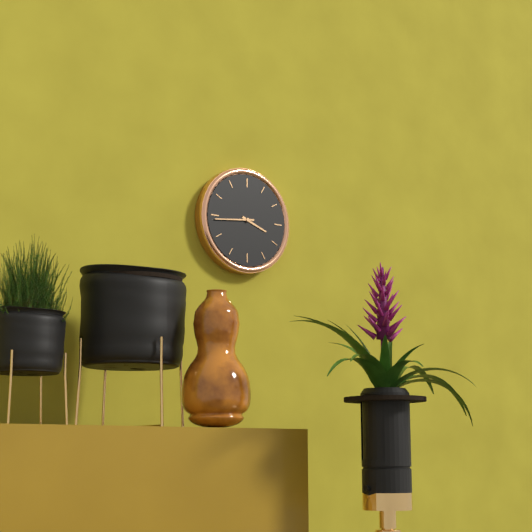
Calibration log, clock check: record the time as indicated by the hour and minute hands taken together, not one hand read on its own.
3:44
